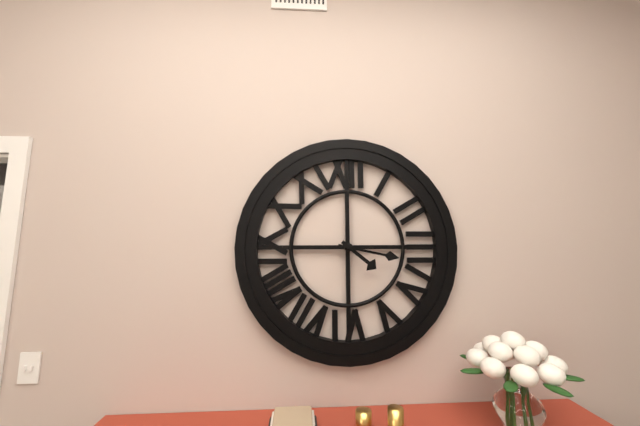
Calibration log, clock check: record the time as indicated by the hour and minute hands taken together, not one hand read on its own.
4:17
